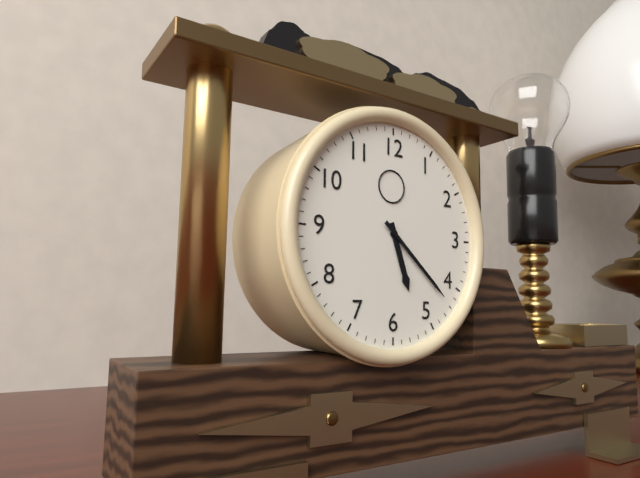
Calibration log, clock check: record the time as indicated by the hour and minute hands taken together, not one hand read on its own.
5:22
